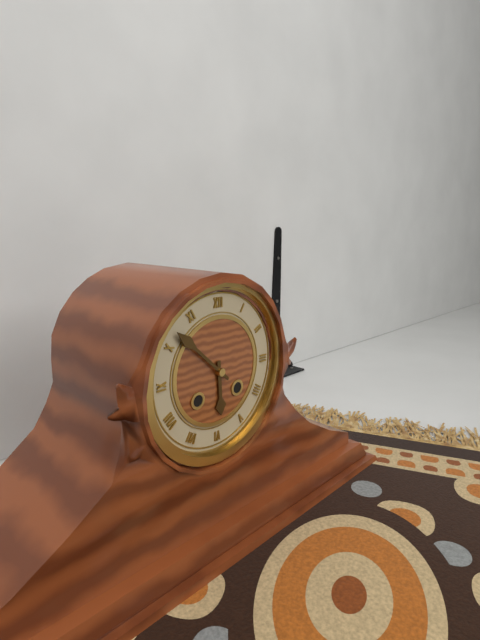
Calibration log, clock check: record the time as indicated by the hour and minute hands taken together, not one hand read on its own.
5:52
